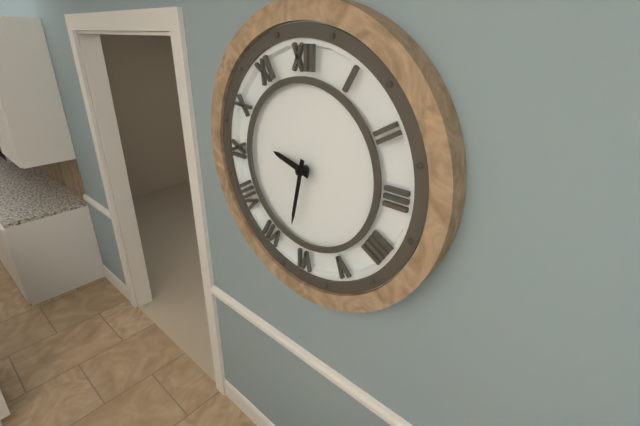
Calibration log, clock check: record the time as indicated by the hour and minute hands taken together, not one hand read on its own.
9:32
